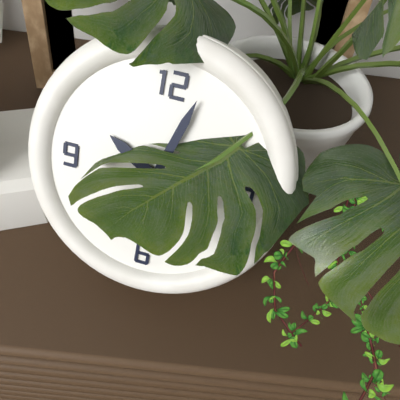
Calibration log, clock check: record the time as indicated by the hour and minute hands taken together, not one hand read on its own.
10:03
